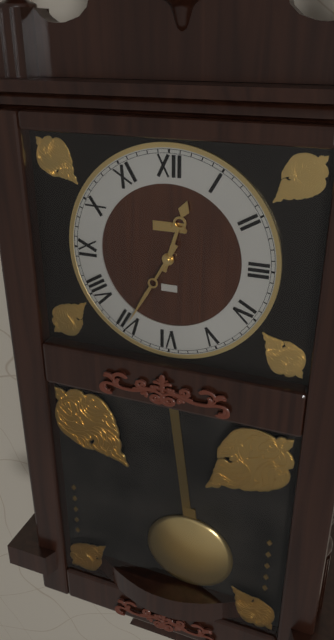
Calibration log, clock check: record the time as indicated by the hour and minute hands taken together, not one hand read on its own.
12:35
